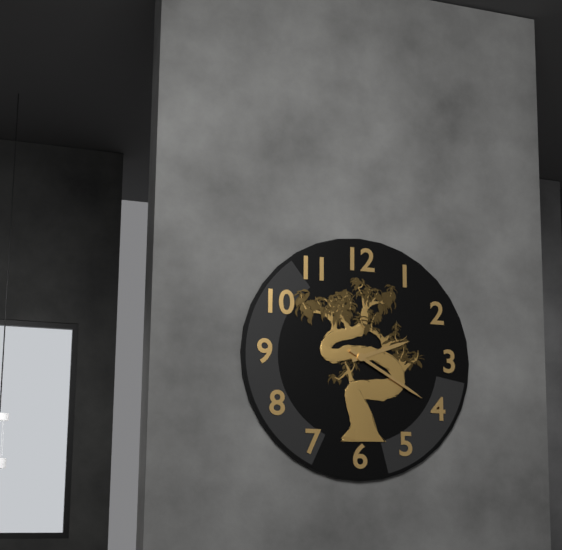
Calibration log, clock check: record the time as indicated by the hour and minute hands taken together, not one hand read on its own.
2:20
